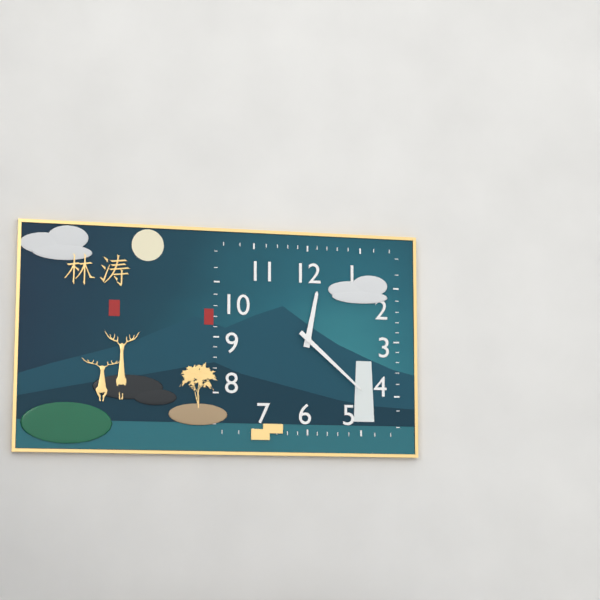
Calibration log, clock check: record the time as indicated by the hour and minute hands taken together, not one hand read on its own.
12:22
